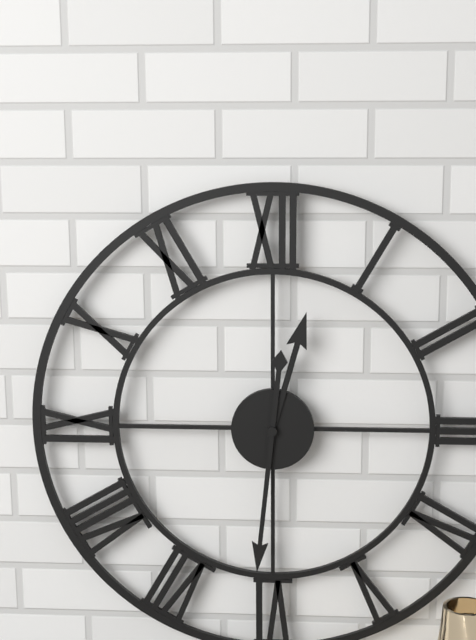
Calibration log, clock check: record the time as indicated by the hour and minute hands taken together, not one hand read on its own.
12:31
